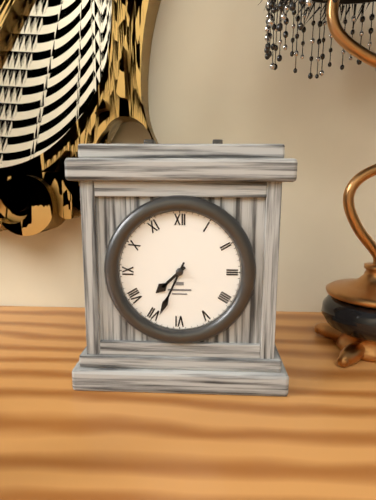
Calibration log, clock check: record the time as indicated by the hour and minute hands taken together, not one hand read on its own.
7:34
